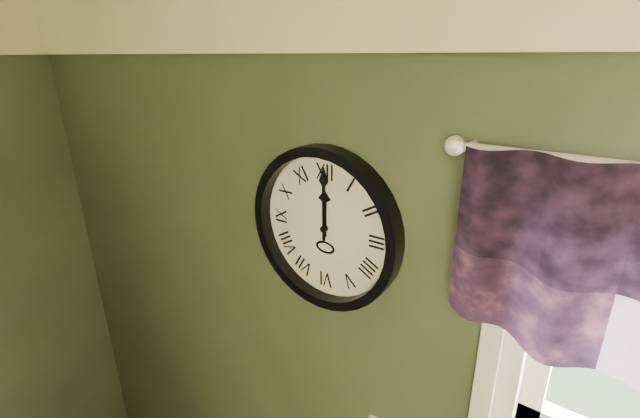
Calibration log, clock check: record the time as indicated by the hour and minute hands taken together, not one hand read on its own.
12:00
